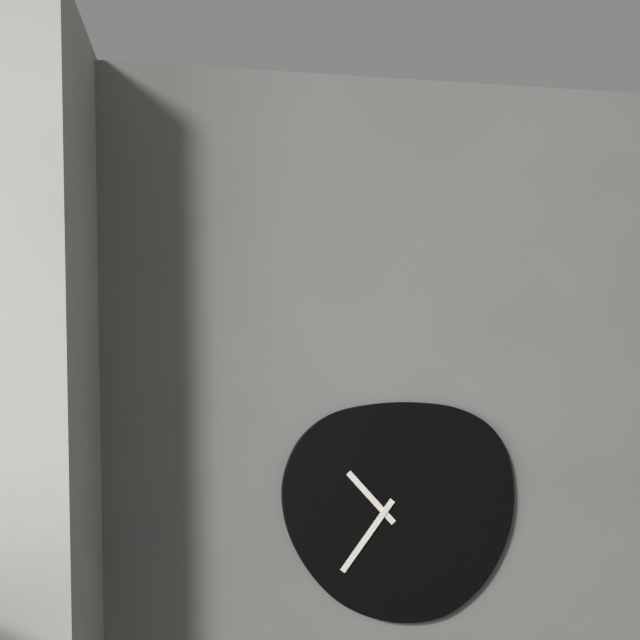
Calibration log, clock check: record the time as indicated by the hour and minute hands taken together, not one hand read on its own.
10:36
